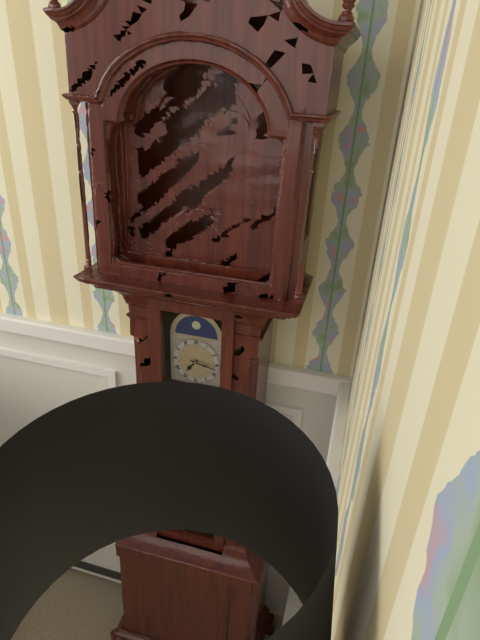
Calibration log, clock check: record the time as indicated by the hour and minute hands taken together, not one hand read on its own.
7:17
